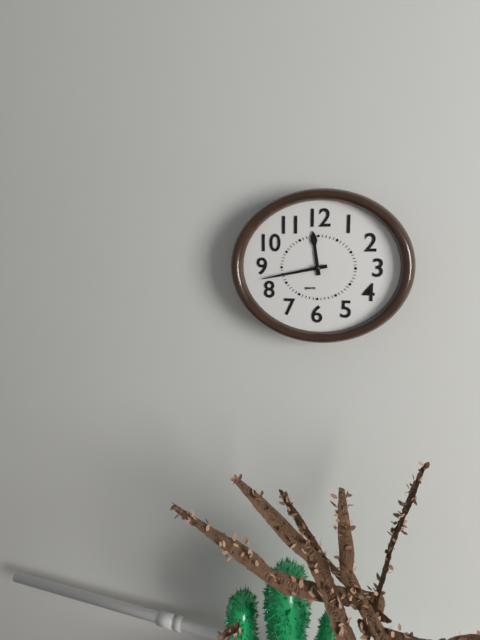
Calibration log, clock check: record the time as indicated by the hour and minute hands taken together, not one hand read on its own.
11:43
